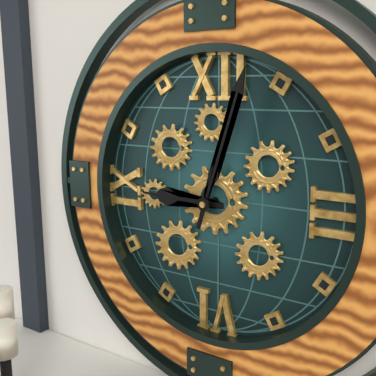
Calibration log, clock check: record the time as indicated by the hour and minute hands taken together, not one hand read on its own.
9:03
